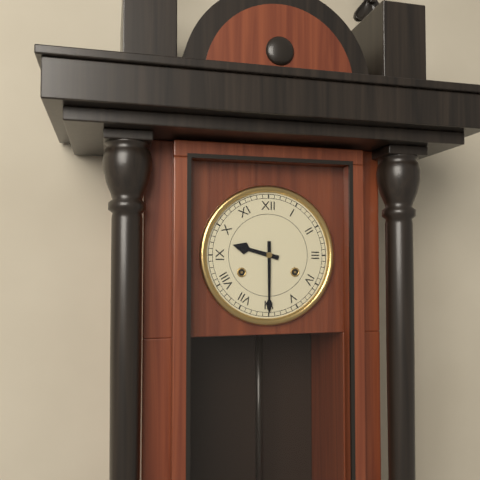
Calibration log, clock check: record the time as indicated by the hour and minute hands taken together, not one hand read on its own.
9:30
